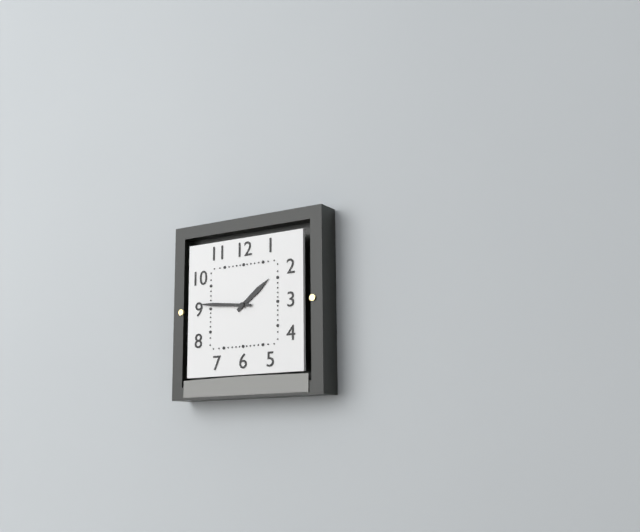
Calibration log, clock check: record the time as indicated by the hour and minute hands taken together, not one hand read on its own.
1:46
